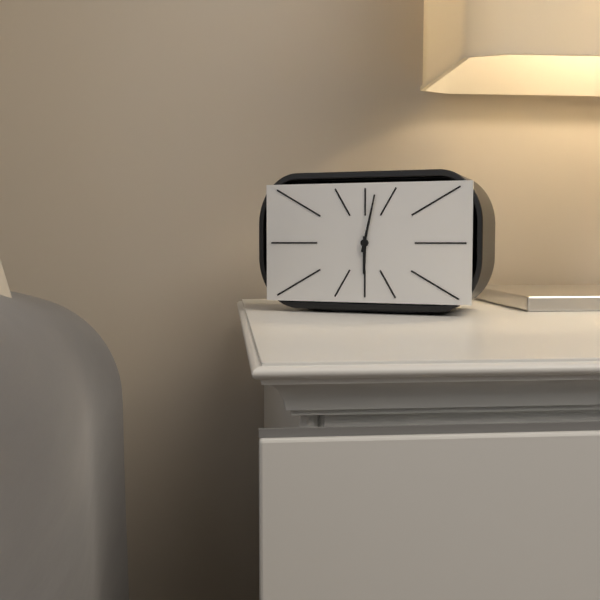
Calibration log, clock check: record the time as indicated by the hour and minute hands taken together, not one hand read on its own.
6:02
